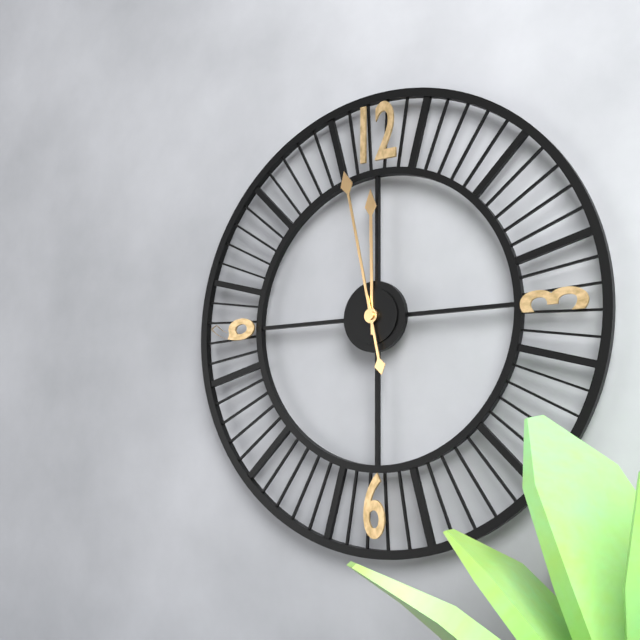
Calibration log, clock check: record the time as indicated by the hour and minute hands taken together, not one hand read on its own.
11:58
